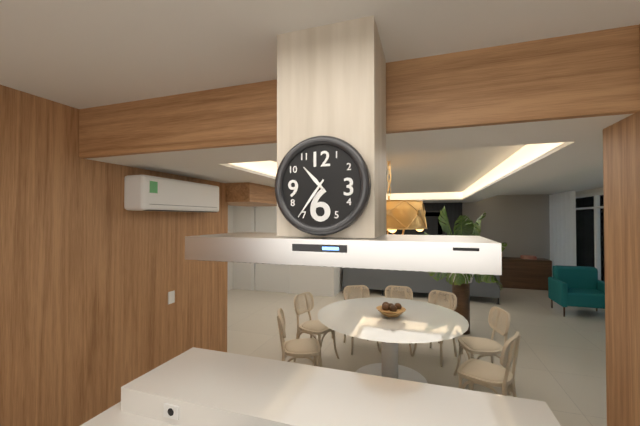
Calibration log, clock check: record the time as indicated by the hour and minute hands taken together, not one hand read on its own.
10:36
